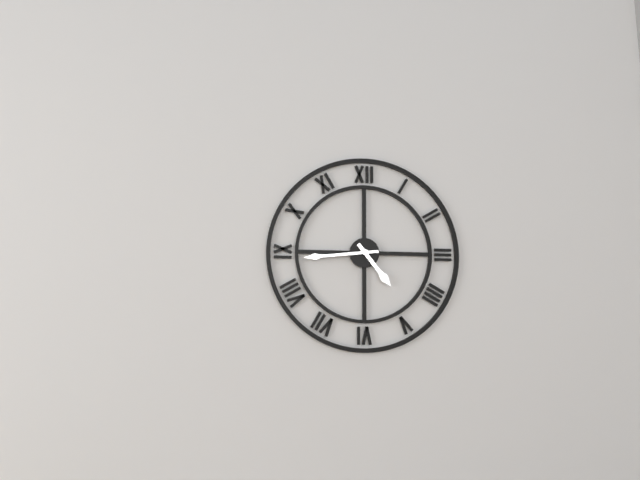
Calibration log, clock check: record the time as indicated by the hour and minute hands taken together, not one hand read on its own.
4:44
